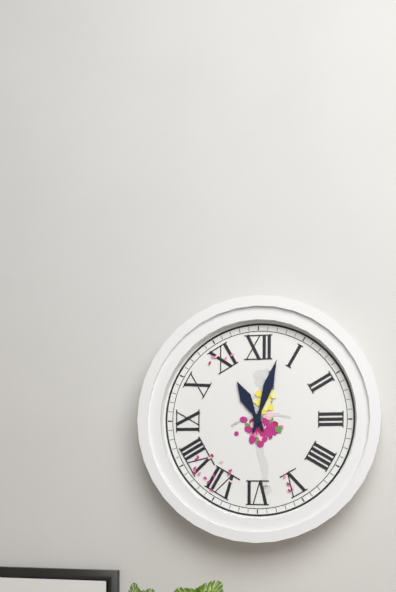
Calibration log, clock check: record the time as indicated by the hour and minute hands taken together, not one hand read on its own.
11:03
